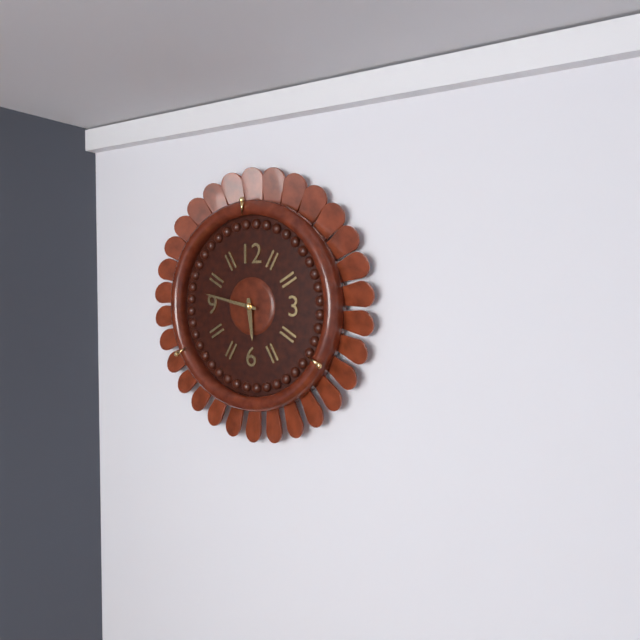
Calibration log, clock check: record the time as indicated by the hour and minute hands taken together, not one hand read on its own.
5:47
